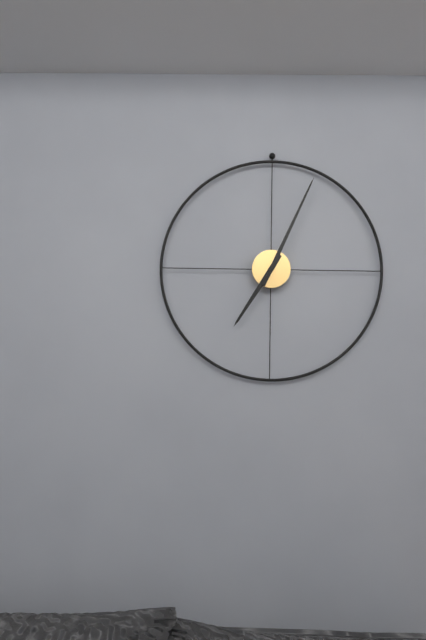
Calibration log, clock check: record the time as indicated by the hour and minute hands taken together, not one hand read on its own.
7:04
